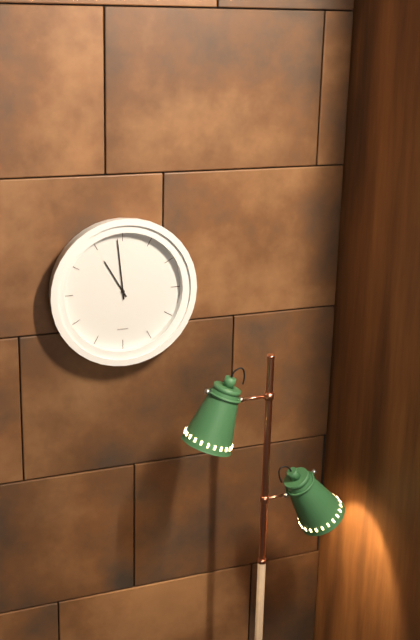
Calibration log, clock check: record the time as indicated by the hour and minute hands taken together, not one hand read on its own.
10:59
